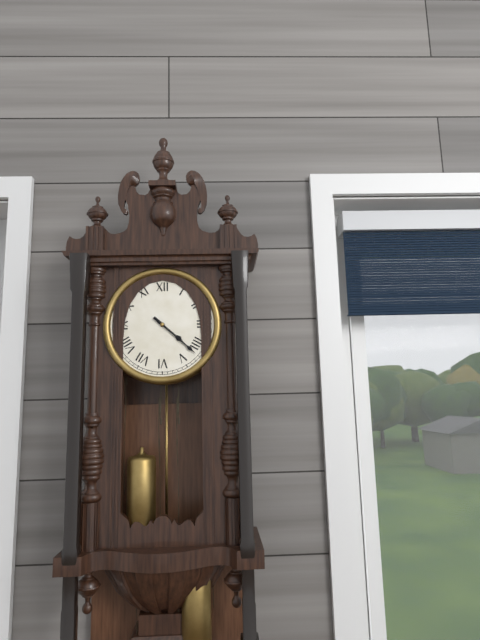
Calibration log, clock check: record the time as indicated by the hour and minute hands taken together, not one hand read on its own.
4:22
